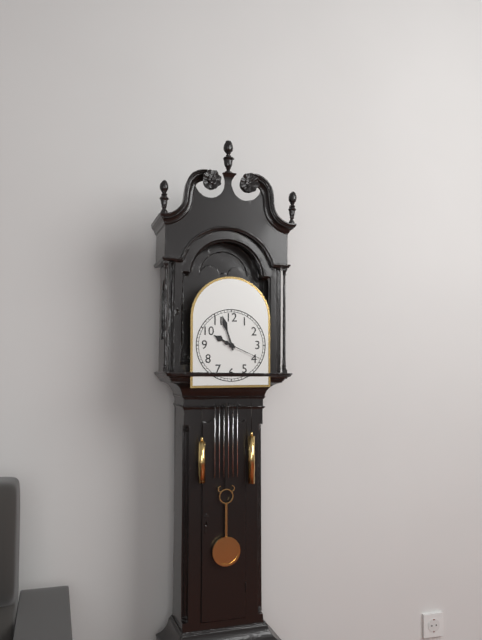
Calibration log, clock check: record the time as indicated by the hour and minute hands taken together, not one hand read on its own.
9:57
